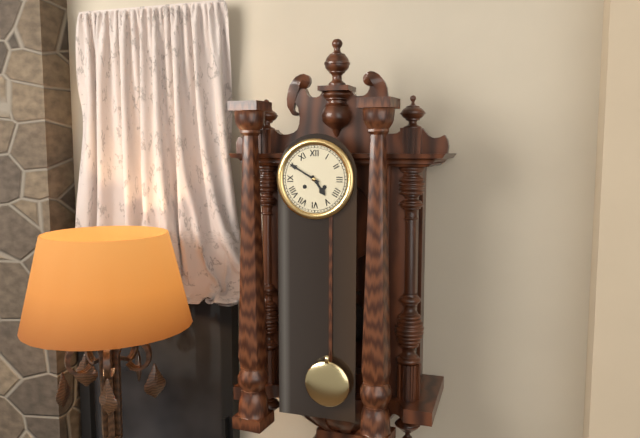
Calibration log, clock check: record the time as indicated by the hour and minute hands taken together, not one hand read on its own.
4:50
